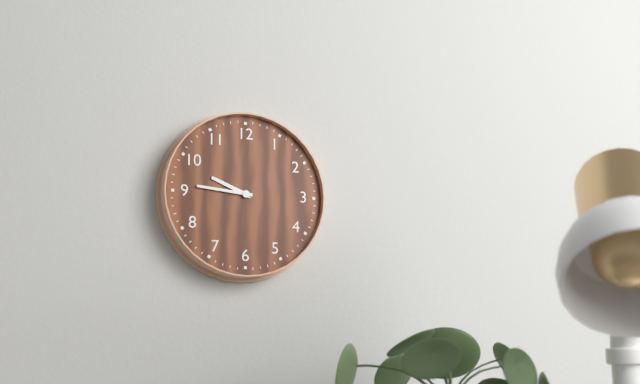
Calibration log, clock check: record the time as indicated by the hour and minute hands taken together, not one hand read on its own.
9:46
